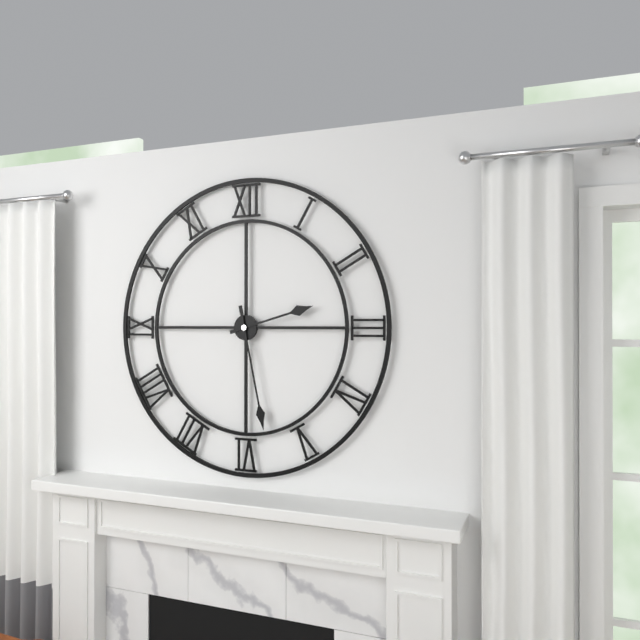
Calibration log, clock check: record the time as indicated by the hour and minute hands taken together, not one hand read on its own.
2:28
